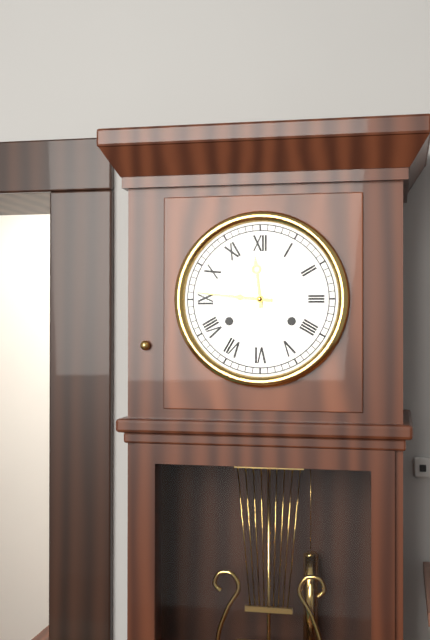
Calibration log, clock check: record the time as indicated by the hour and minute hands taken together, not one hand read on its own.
11:46
